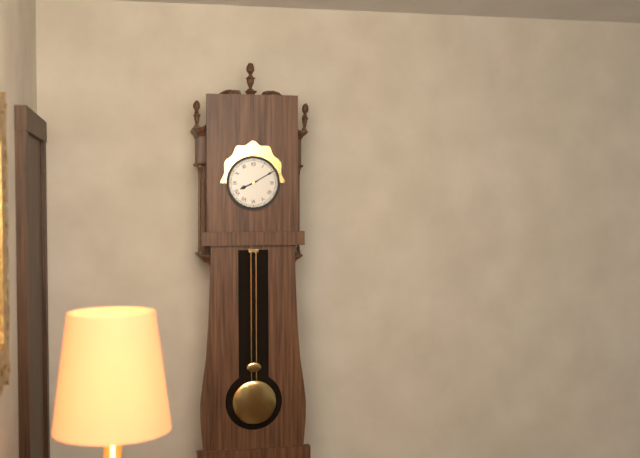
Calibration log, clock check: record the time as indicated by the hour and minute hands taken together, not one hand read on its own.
8:10
